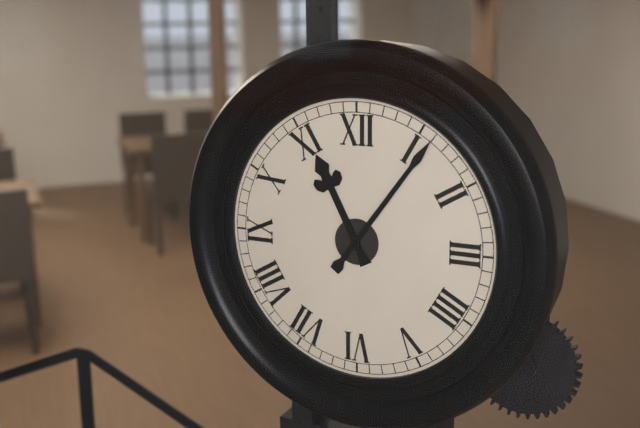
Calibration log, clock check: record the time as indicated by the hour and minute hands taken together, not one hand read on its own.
11:06
